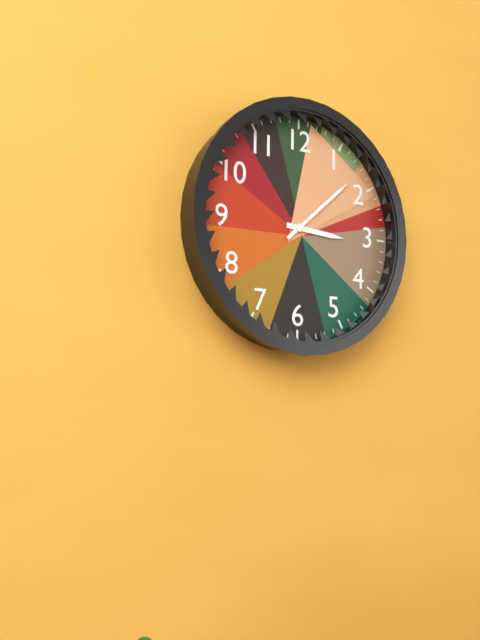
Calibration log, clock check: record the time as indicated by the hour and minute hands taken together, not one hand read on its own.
3:08
